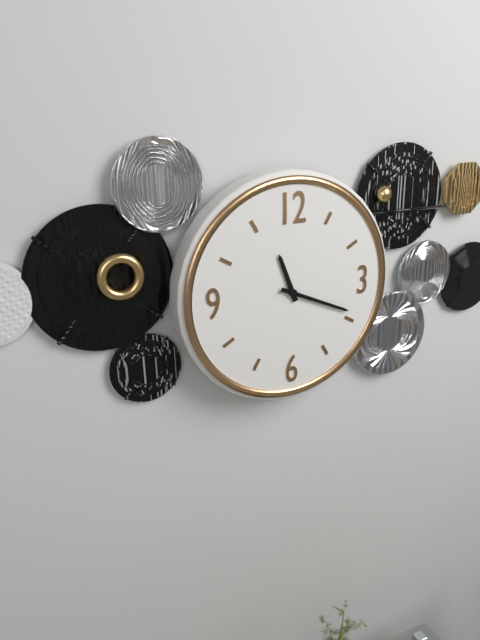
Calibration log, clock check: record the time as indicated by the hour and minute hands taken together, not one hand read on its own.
11:19
